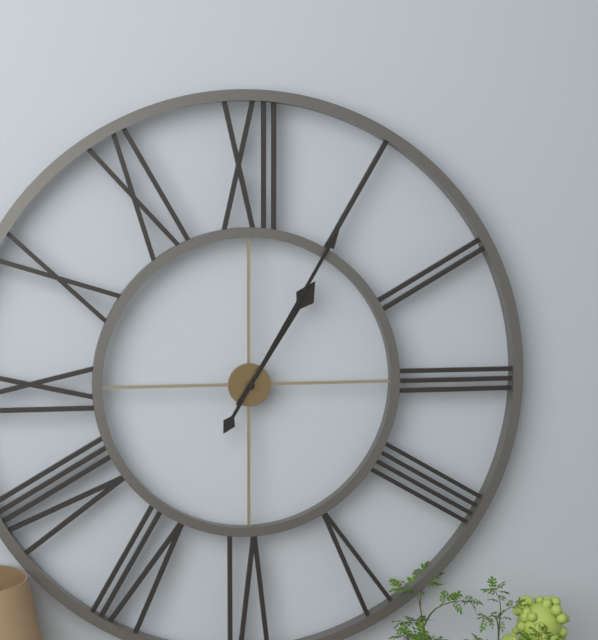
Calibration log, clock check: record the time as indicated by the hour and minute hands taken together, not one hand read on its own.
1:05
